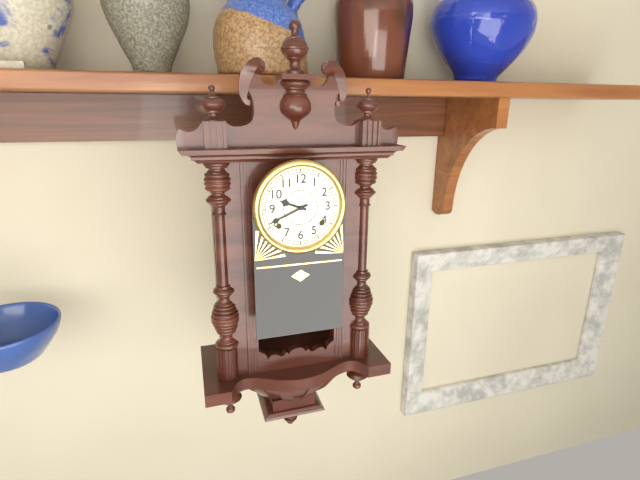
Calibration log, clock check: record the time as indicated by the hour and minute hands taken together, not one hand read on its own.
9:41
